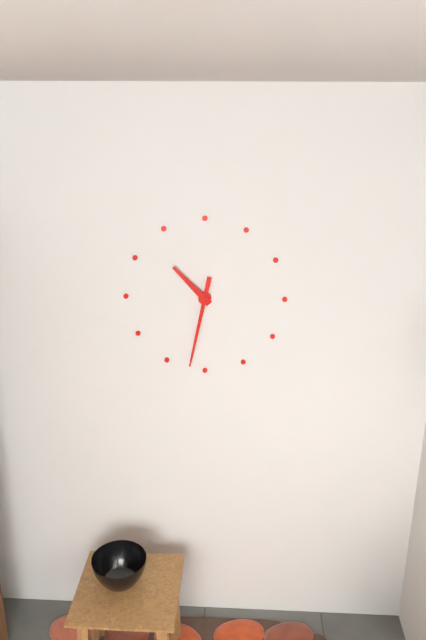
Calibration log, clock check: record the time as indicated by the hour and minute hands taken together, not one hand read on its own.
10:32
